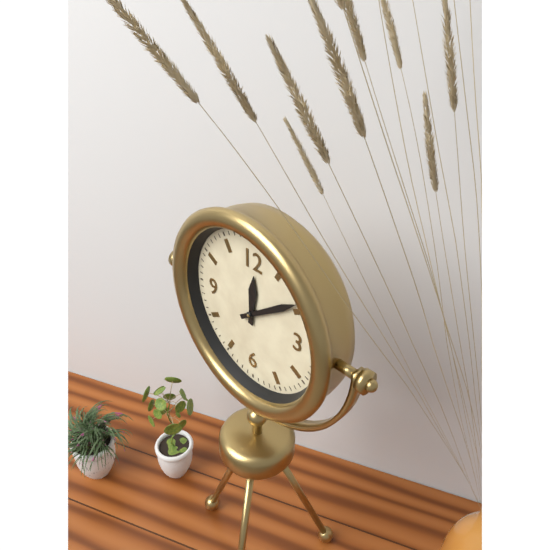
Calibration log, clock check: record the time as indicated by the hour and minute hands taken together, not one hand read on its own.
12:09
